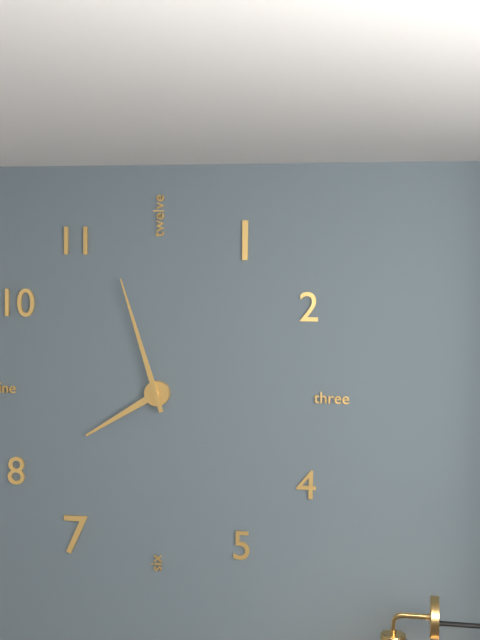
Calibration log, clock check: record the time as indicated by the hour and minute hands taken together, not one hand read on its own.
7:57
